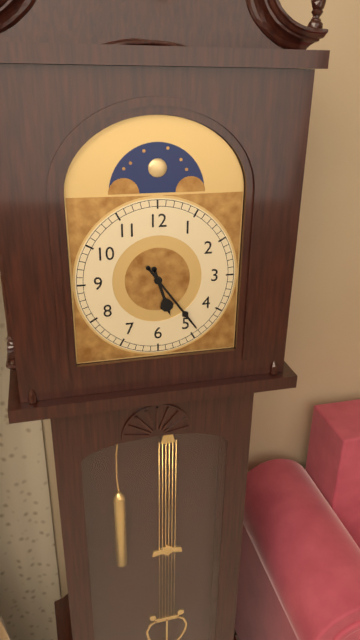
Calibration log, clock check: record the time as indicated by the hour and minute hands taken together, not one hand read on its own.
5:24
